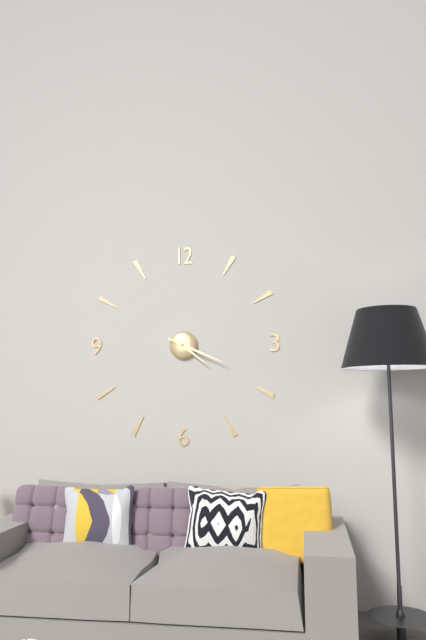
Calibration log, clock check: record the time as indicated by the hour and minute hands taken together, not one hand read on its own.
4:19
